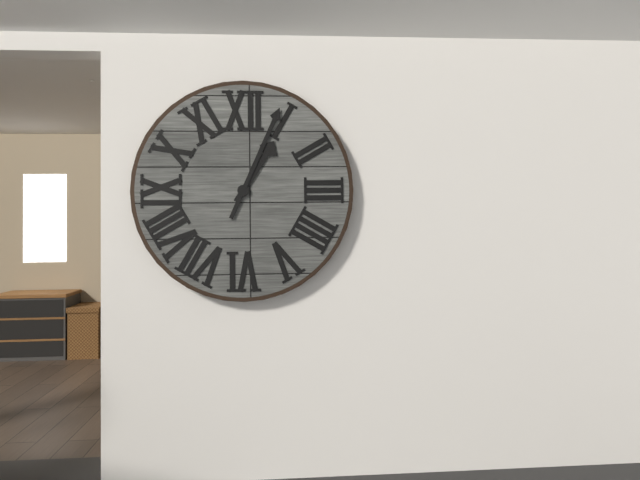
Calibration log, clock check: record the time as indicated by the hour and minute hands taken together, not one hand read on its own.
1:04
